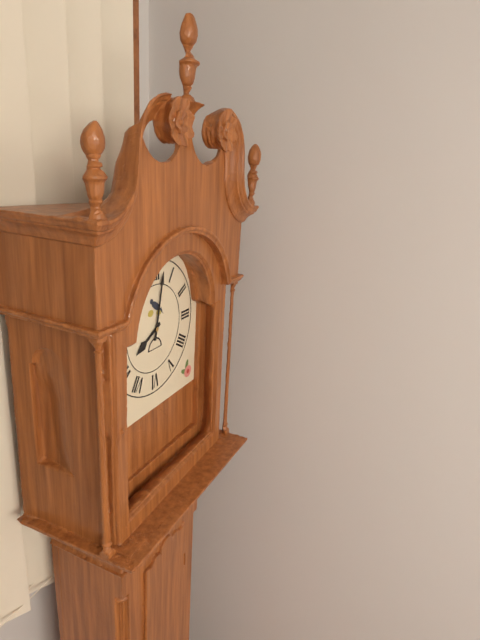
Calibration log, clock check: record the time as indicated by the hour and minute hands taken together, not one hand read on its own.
8:02
